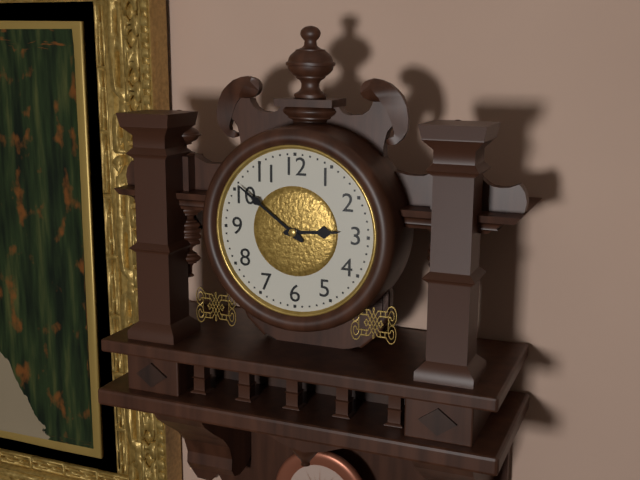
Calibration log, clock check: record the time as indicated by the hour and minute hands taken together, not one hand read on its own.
2:51
